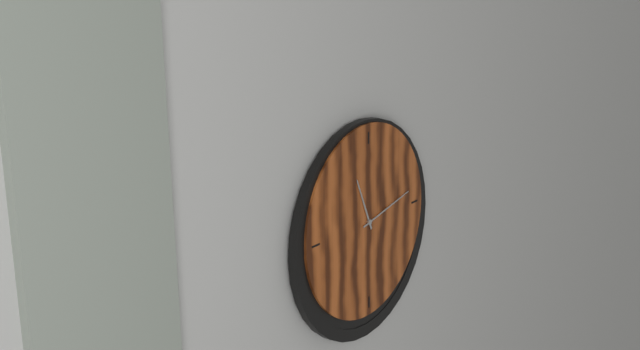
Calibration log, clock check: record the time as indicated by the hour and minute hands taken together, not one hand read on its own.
11:13
